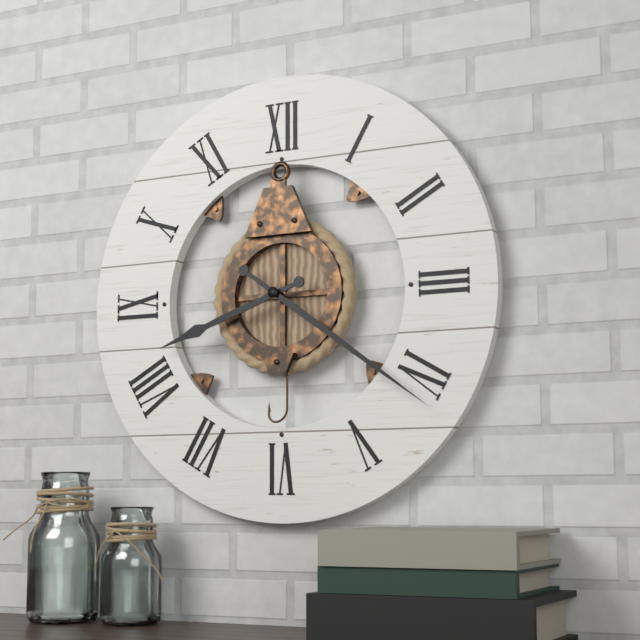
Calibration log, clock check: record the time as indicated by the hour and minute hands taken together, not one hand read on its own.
8:21
